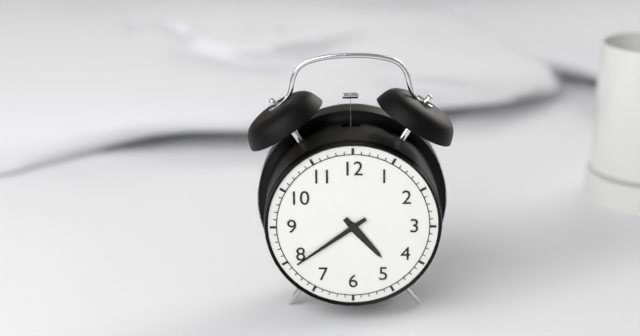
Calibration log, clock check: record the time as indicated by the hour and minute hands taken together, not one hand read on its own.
4:39
